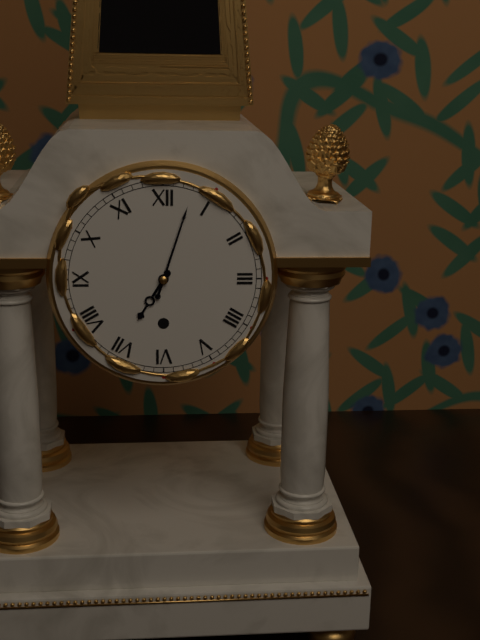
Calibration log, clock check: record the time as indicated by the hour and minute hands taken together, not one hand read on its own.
7:03
